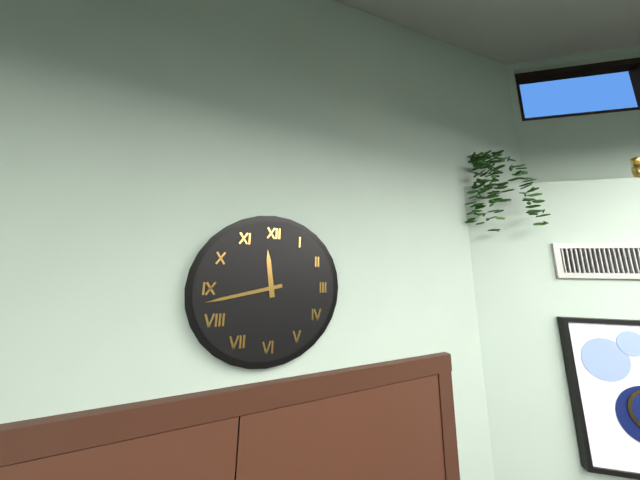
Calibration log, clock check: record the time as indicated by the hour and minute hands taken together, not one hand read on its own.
11:43
